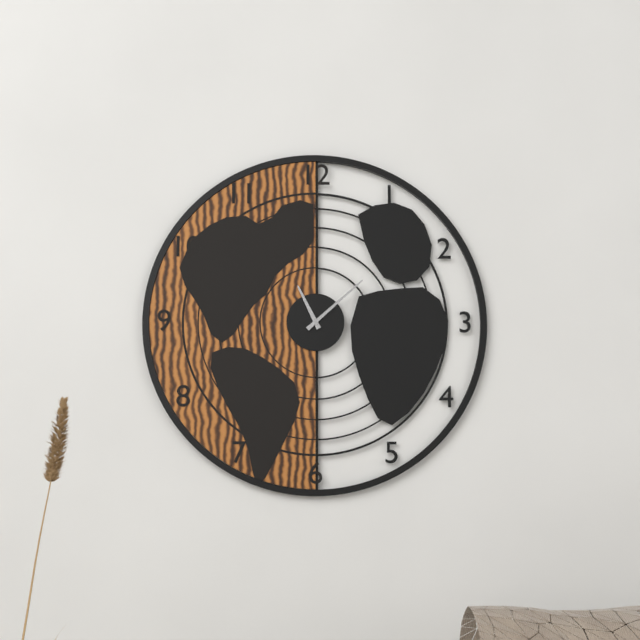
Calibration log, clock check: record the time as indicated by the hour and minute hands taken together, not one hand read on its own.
11:08
